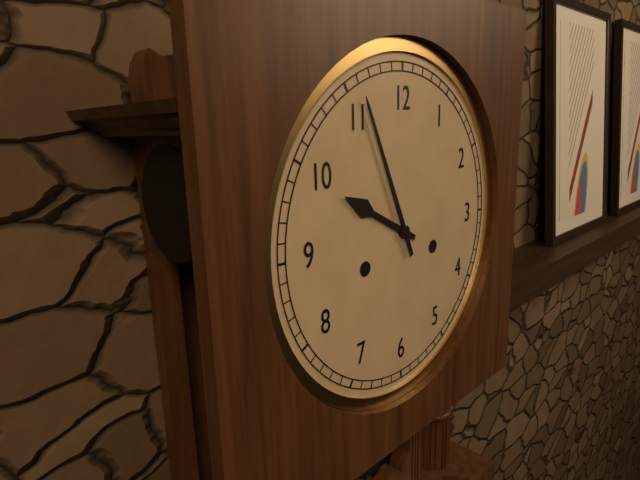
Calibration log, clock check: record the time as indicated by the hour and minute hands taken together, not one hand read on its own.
9:56
